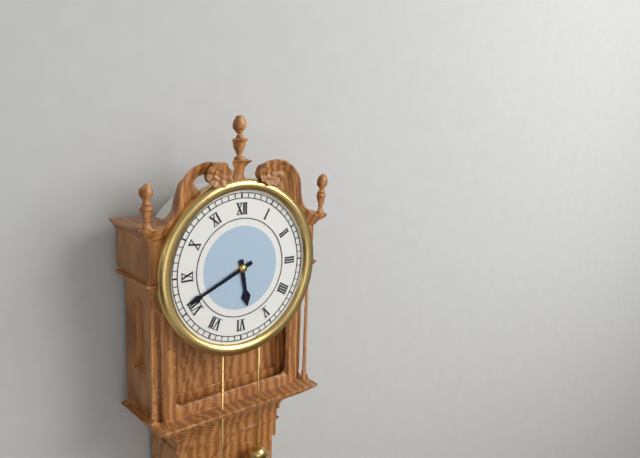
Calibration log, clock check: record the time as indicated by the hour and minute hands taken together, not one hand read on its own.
5:41
